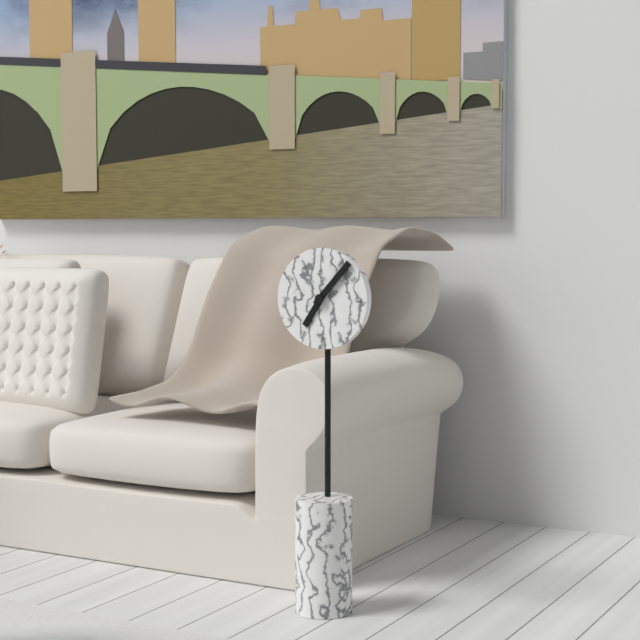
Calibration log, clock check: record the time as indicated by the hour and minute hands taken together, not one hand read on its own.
7:07
